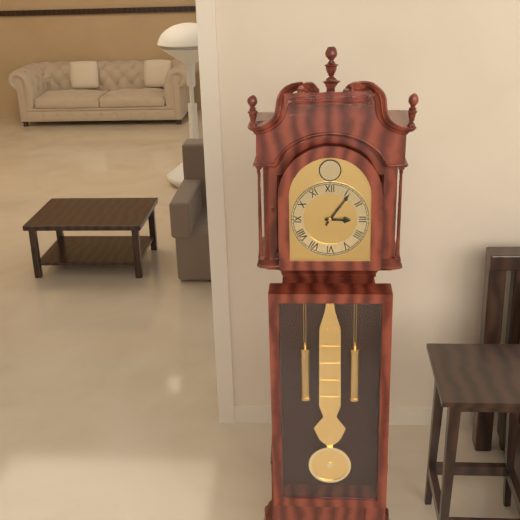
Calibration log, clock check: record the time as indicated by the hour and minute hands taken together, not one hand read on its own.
3:06
